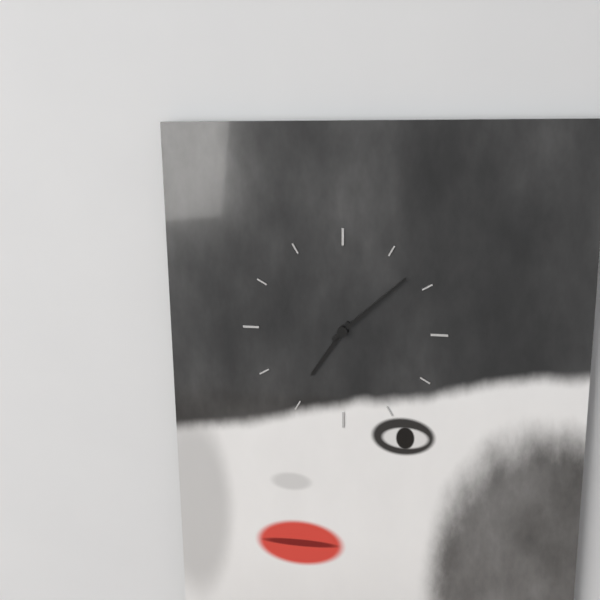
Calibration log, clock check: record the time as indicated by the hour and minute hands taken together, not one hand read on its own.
7:08
